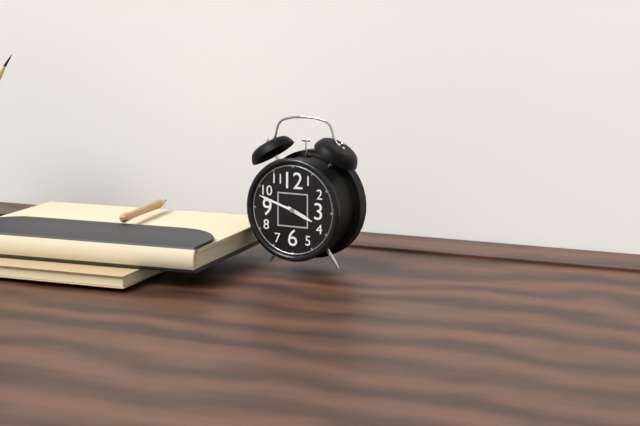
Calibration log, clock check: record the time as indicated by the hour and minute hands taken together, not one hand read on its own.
3:48
